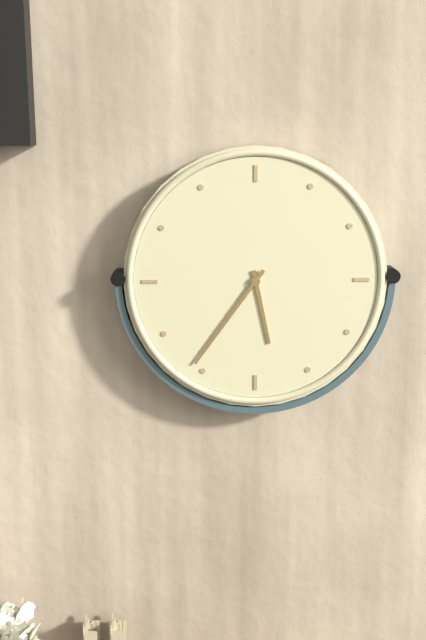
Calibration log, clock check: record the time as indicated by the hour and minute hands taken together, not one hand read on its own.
5:36
